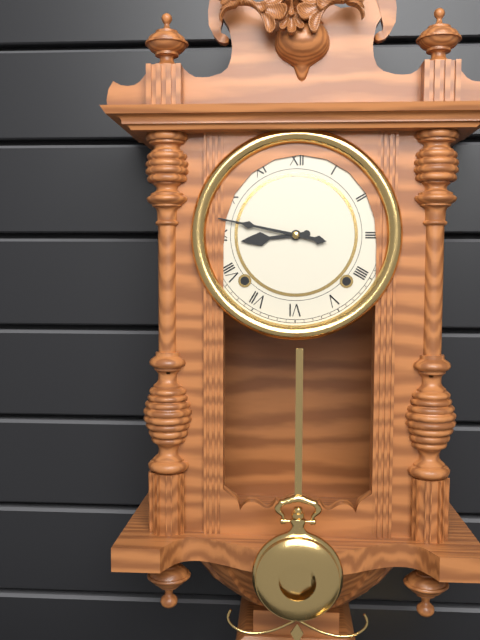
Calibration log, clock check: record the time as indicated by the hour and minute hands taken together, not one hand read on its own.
8:47
